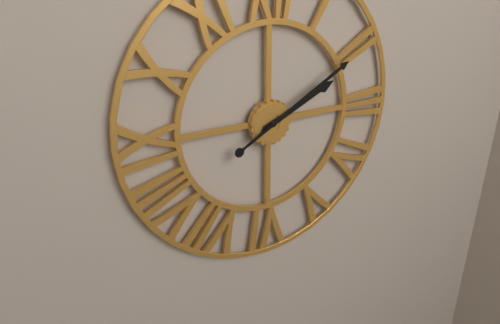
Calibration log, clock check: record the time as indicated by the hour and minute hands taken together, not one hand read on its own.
2:10
